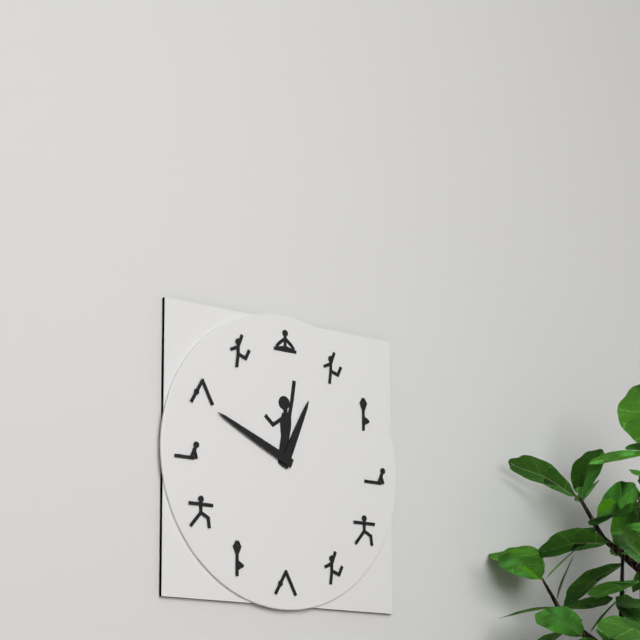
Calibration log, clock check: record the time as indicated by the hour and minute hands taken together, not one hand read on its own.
12:49
